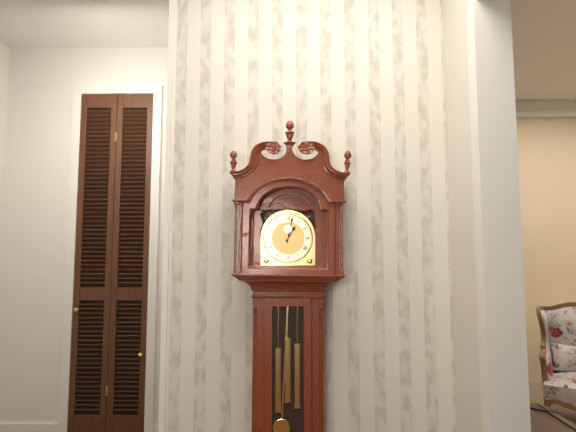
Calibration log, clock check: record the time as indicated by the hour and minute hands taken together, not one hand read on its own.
1:02
